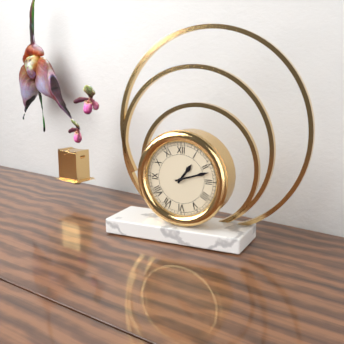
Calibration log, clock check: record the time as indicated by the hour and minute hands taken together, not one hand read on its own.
1:12
